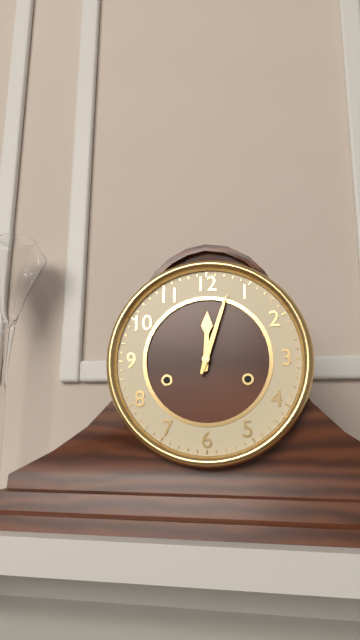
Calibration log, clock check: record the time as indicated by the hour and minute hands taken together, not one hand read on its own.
12:03
